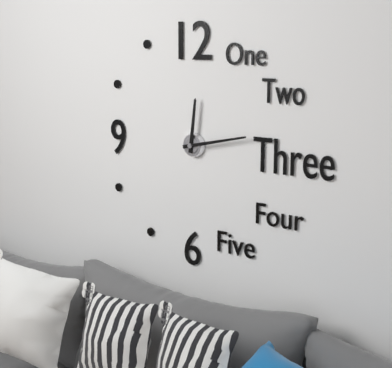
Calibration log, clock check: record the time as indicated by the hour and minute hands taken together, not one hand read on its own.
12:13
